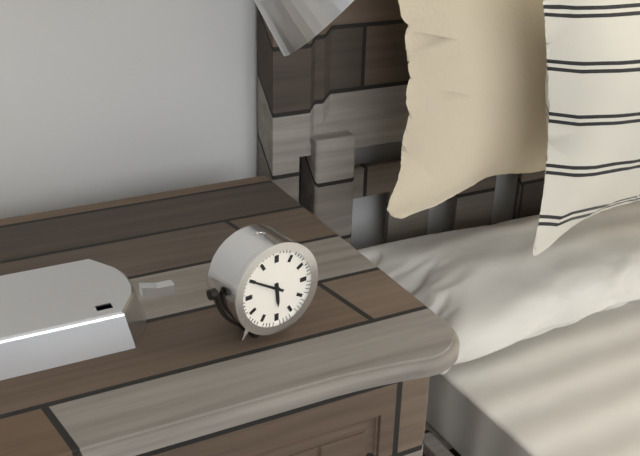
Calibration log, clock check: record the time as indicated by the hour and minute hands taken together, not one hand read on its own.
5:50
